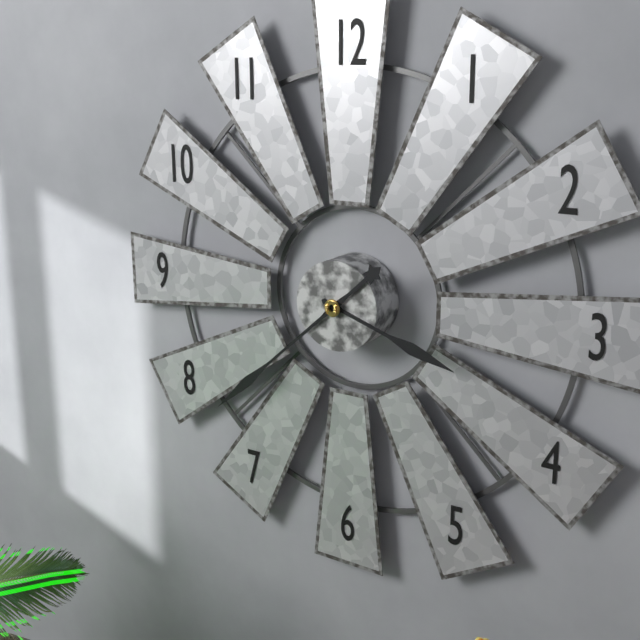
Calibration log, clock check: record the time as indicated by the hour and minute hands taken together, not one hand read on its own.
3:38
